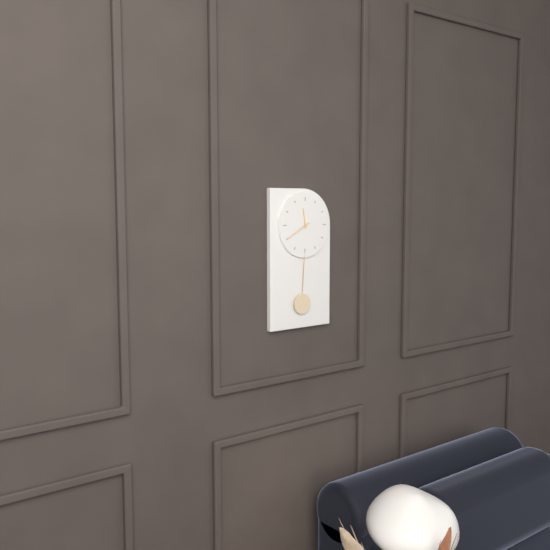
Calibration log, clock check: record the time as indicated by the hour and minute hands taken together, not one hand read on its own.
11:40
